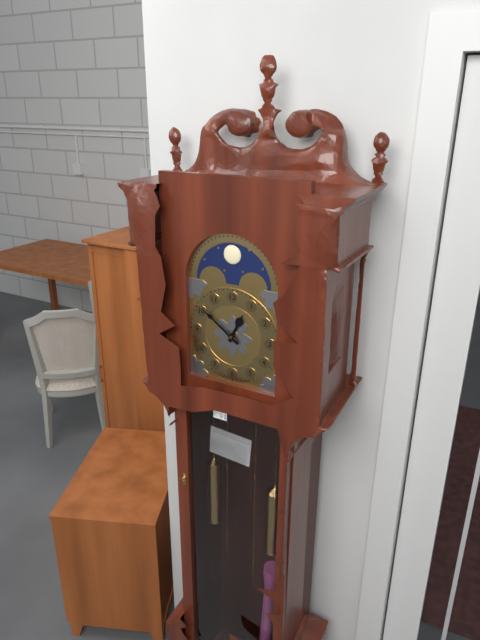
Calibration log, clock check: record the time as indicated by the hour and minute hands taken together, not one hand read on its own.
12:51
